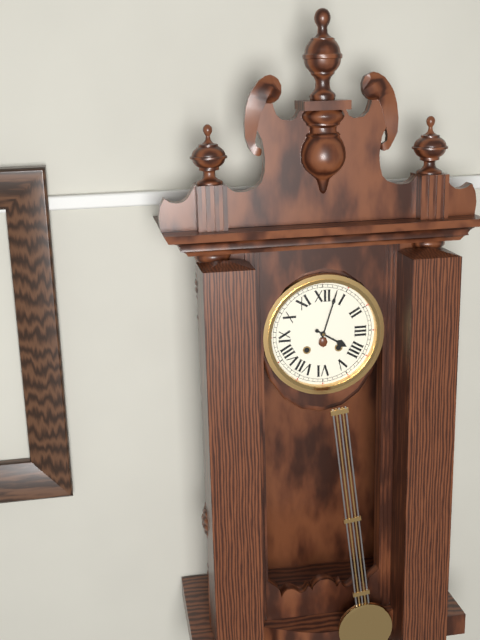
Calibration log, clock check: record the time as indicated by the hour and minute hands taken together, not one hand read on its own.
4:03
